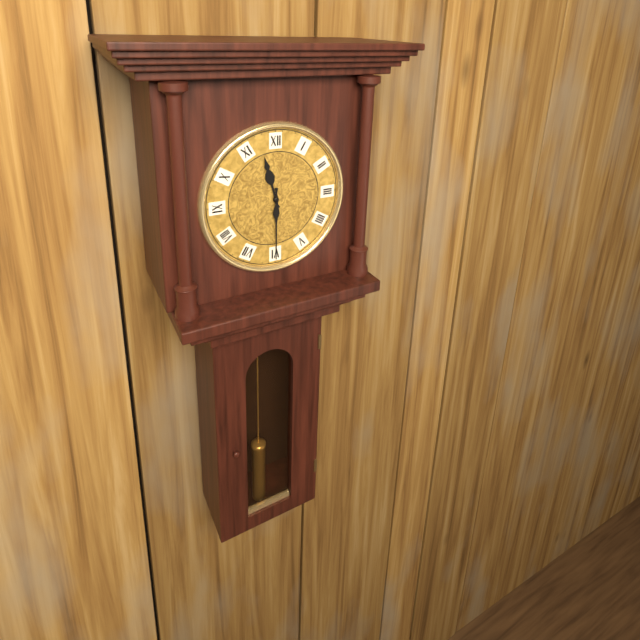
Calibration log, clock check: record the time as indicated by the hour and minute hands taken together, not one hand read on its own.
11:30
